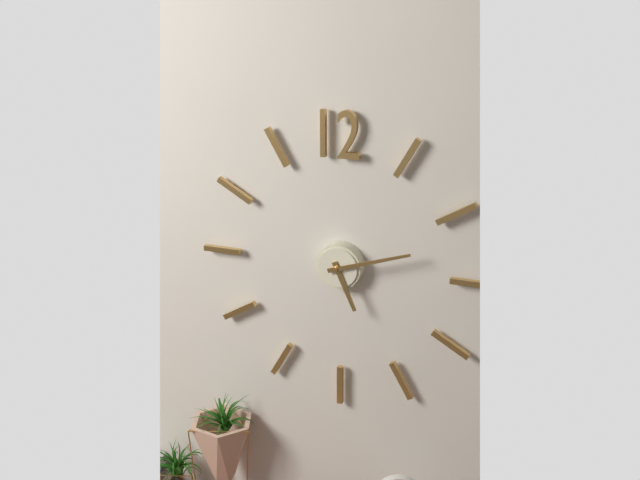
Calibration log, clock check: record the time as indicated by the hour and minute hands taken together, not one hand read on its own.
5:12
